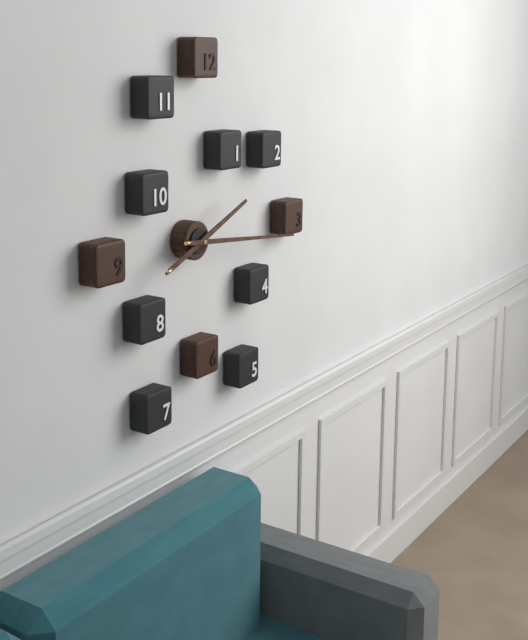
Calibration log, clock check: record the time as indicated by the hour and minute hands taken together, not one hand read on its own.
2:16
